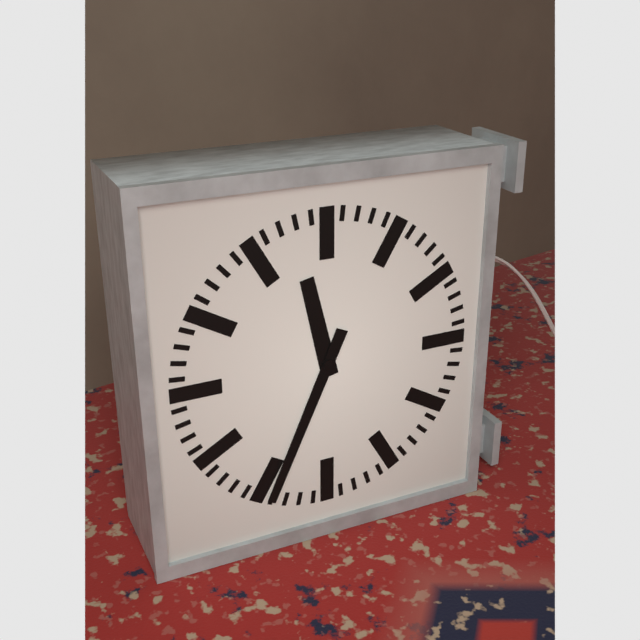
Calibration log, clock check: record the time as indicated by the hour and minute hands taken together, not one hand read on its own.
11:34
